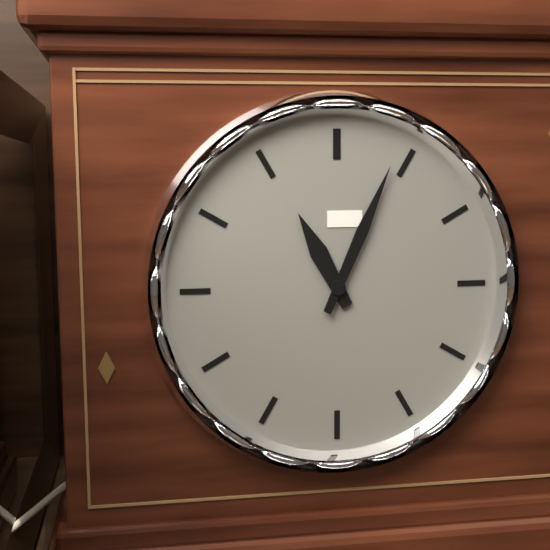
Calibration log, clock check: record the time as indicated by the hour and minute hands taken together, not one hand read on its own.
11:04
